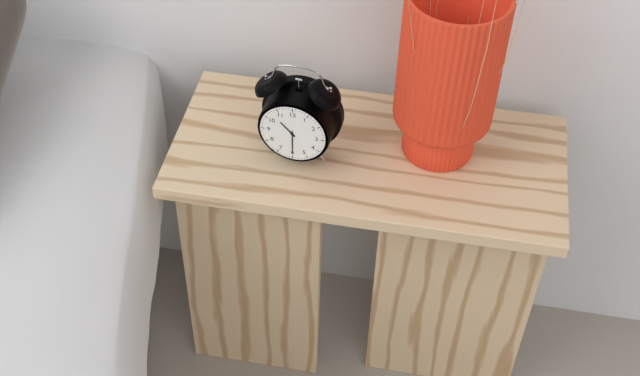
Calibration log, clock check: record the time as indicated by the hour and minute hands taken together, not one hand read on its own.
10:30
